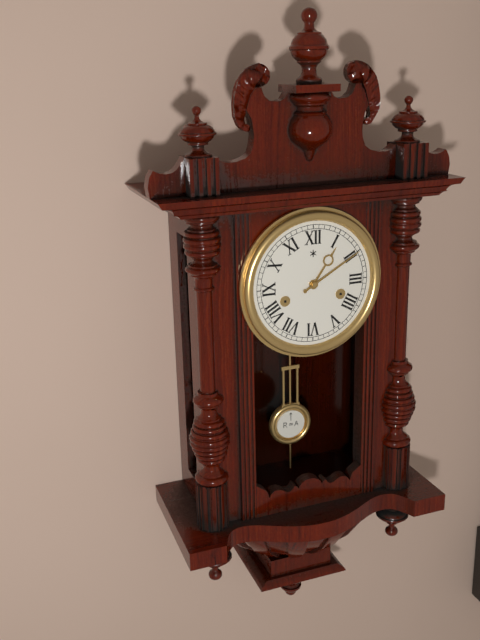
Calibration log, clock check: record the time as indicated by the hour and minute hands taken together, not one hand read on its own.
1:10
